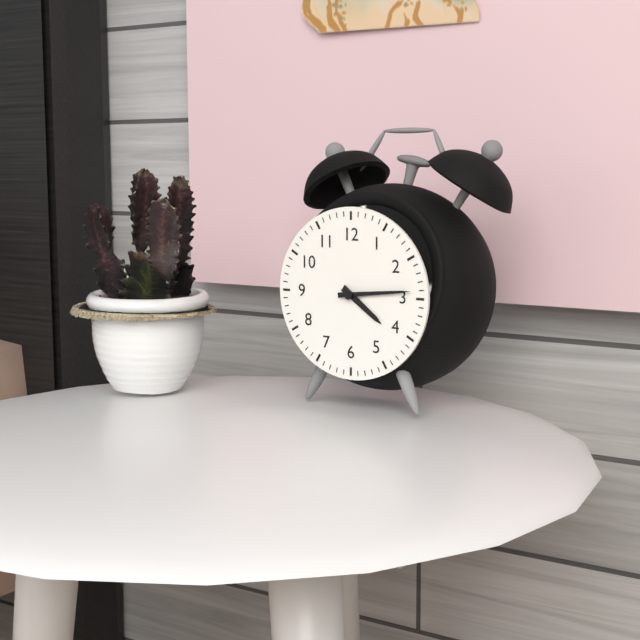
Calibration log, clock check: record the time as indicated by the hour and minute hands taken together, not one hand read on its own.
4:14
